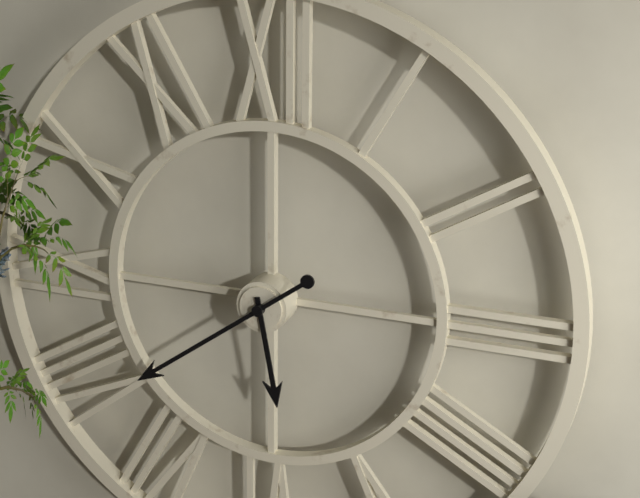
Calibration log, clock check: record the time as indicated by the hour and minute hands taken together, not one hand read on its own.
5:39
